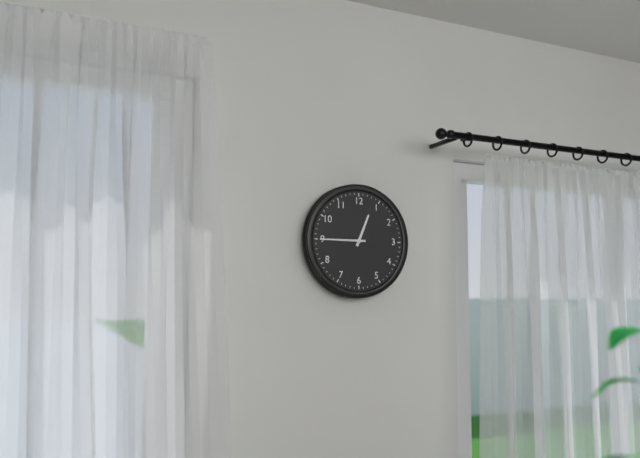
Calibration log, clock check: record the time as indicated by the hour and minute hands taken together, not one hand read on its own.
12:45
